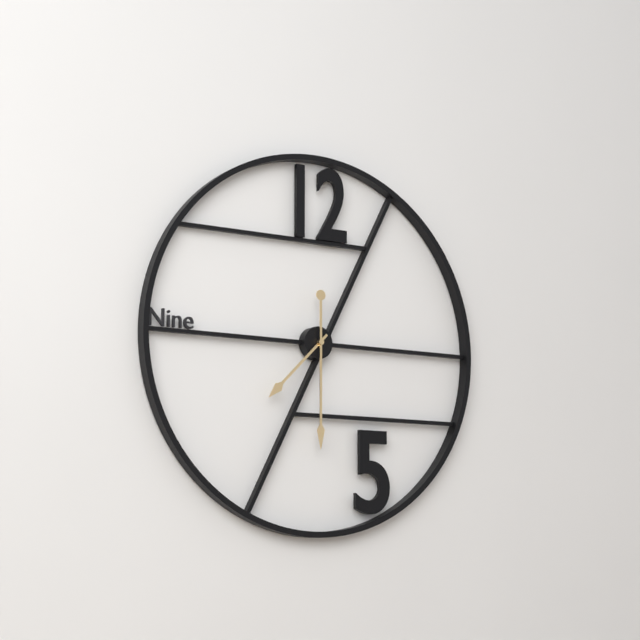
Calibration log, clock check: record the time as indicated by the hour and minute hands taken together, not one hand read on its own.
7:30
